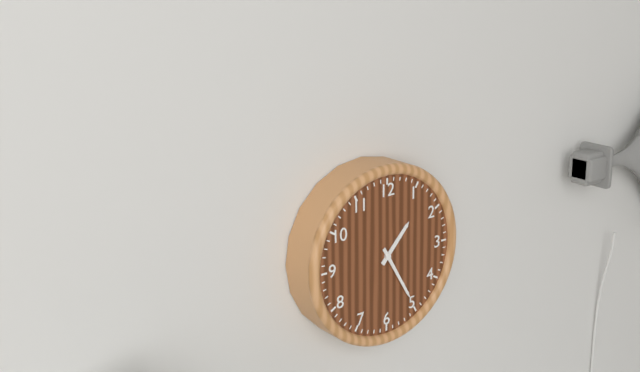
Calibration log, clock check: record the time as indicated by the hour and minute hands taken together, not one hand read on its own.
1:25
